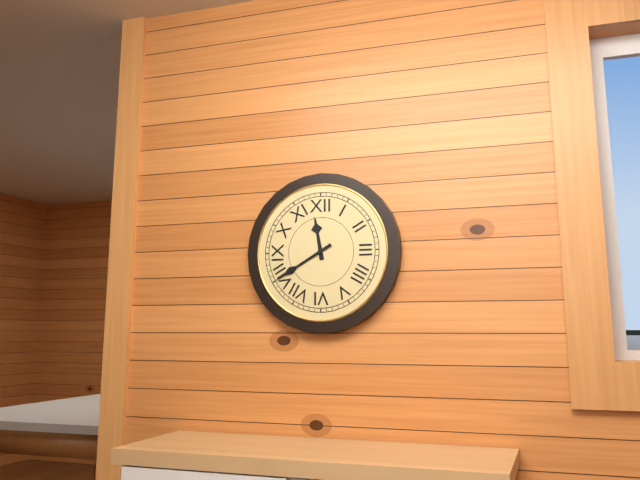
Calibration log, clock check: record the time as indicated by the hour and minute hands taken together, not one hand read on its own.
11:40
